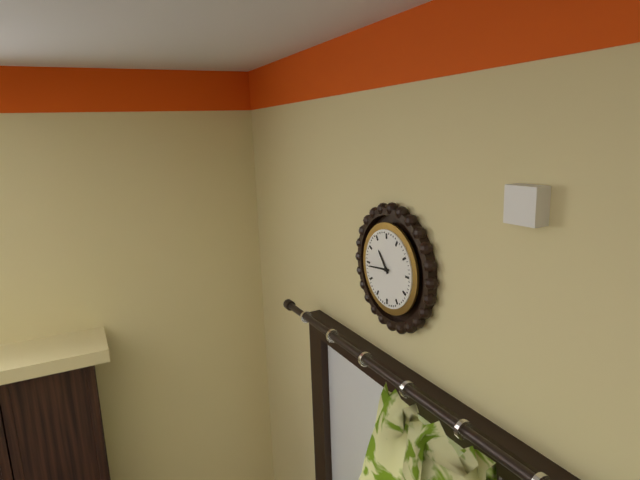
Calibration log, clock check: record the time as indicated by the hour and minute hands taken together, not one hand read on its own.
10:44
